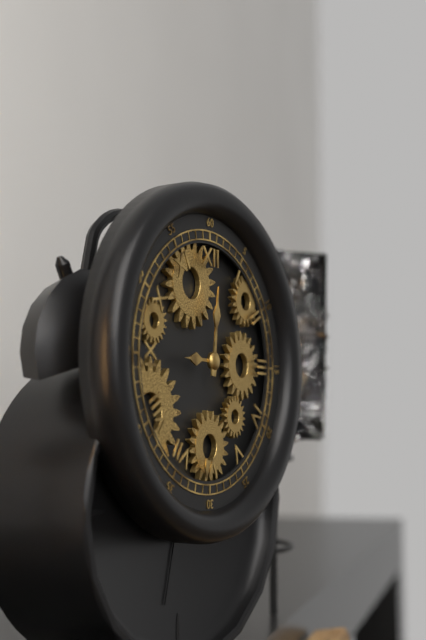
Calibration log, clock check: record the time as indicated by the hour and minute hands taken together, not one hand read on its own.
9:01
